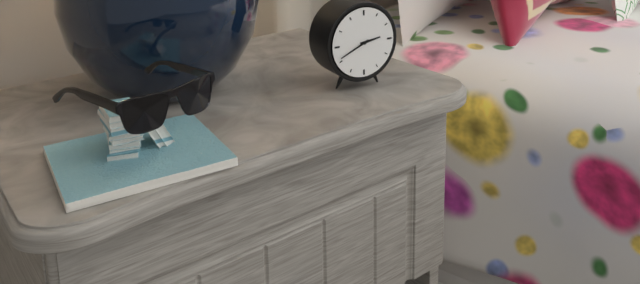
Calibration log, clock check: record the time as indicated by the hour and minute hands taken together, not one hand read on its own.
2:41
